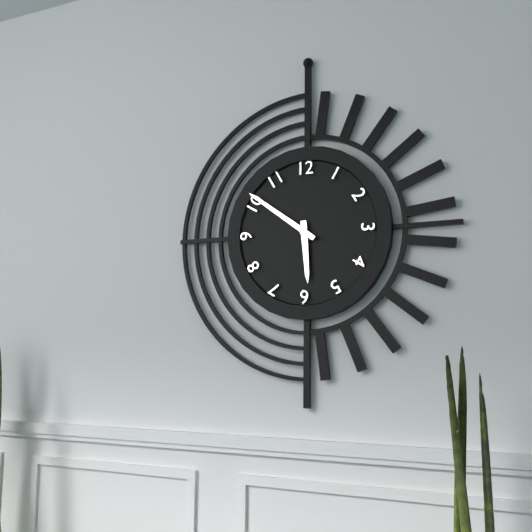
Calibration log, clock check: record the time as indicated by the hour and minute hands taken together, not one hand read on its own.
5:51
